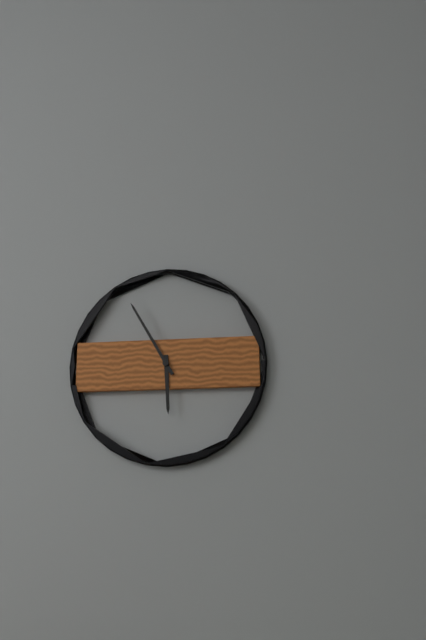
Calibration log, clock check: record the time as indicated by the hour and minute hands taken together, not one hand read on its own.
5:55
